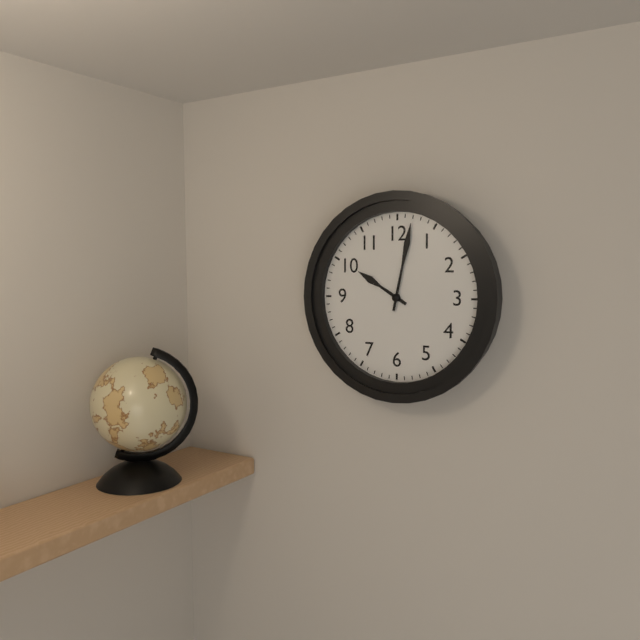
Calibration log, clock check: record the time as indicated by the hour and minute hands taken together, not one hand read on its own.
10:02
